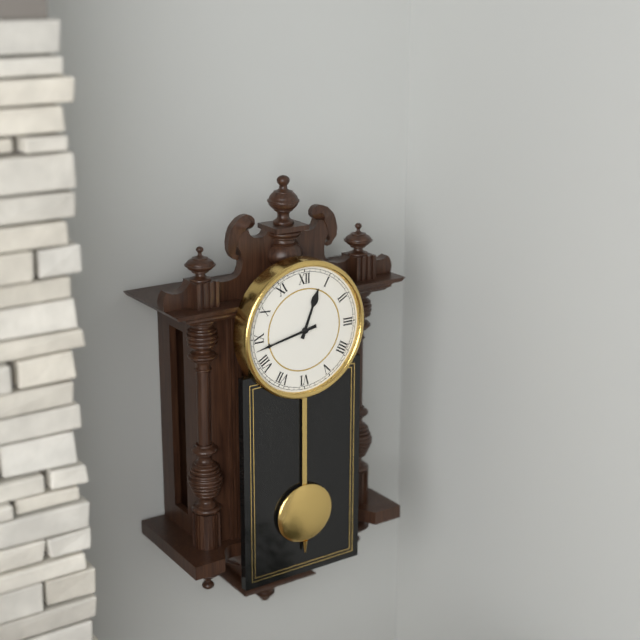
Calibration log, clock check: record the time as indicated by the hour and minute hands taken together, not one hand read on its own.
12:43
